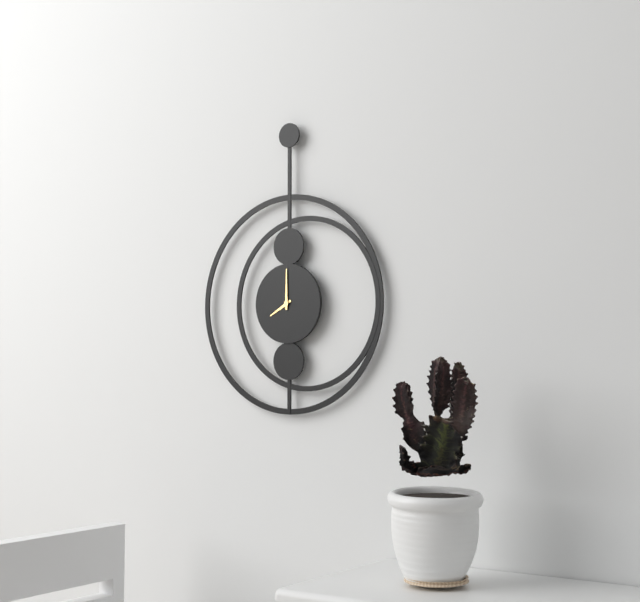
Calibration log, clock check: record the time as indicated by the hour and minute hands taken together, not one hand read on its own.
8:00
